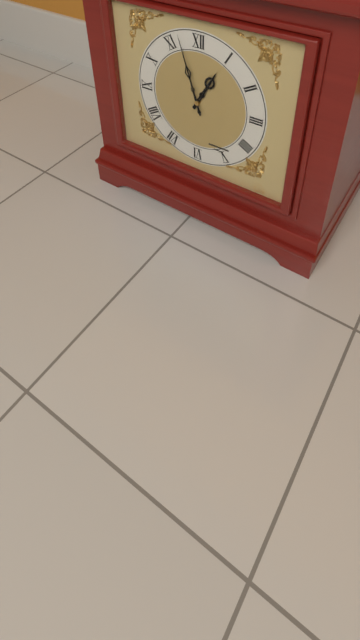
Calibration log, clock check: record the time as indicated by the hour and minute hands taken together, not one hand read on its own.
12:57
